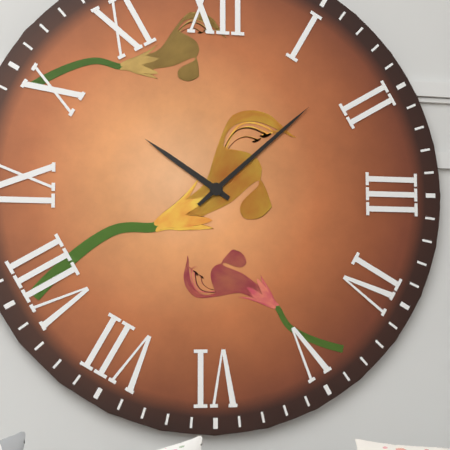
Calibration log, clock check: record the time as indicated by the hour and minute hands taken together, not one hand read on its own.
10:08
